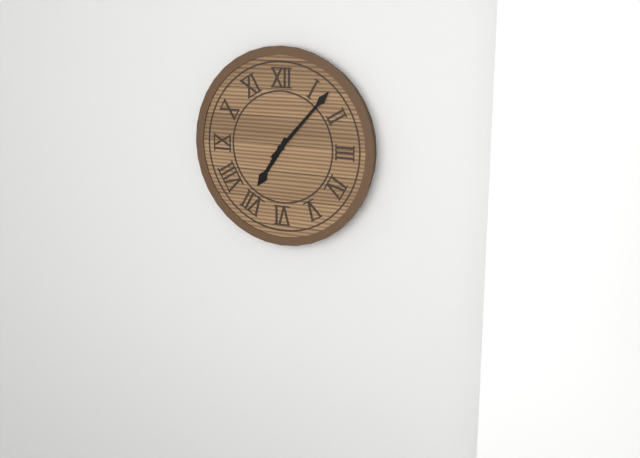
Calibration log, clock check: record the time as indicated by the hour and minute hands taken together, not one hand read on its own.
7:07
